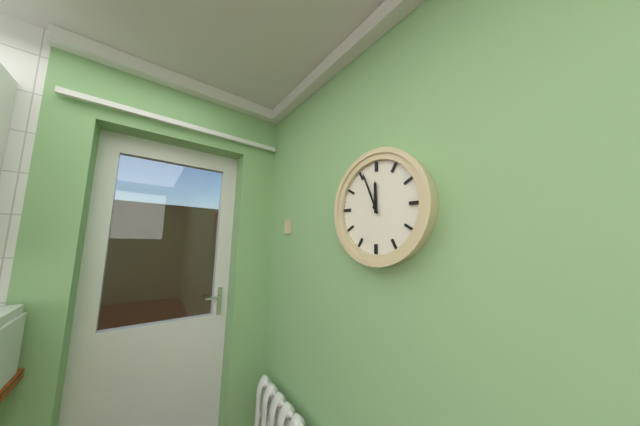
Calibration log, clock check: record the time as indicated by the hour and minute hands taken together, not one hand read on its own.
11:56
